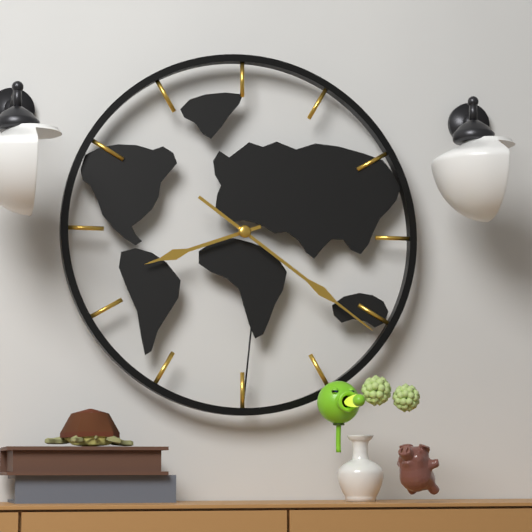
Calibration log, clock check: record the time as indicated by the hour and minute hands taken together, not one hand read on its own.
8:21
